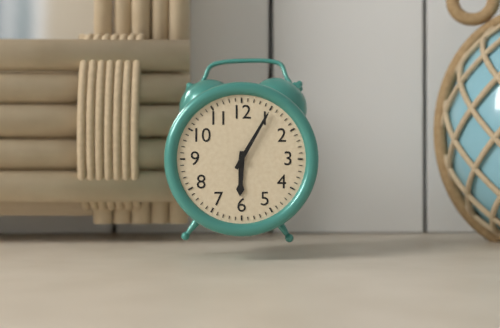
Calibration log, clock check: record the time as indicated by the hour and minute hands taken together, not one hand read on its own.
6:05
